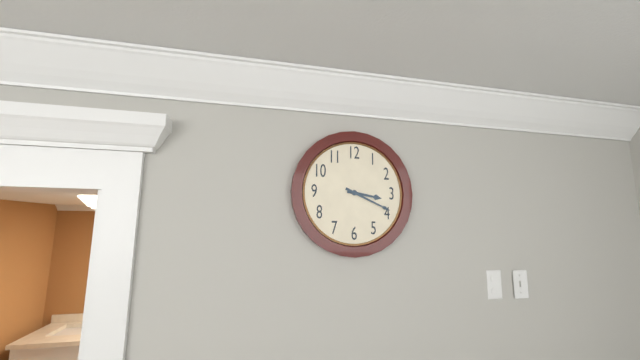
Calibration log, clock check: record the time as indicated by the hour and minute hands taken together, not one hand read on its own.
3:19
